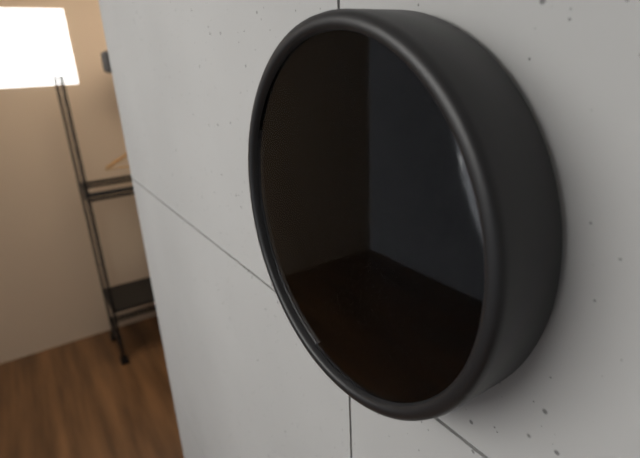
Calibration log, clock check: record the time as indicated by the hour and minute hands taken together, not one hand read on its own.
10:40
